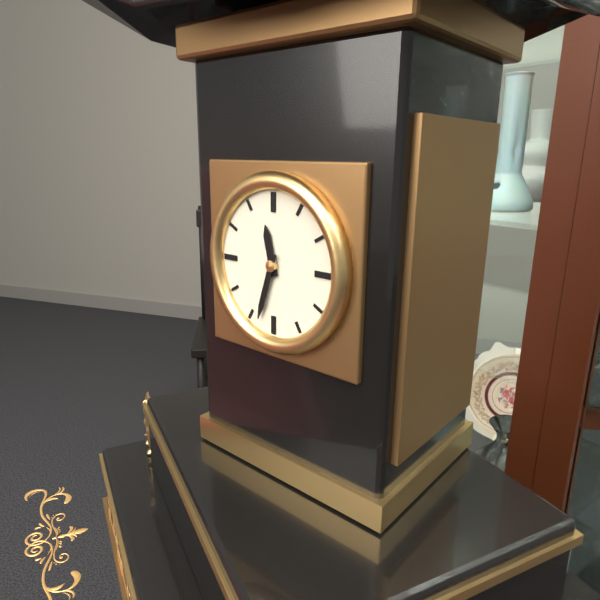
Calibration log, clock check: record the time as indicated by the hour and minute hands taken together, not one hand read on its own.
11:33
